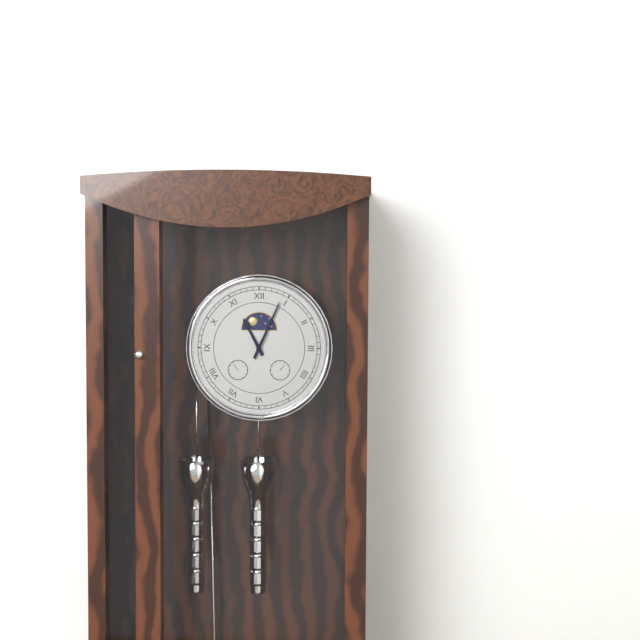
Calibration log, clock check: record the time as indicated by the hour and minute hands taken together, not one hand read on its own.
11:04
